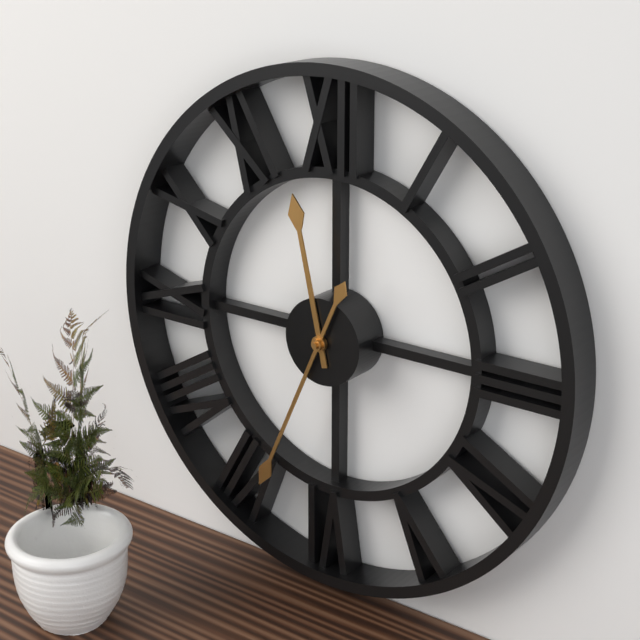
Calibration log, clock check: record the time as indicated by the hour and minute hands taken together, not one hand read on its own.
11:34
